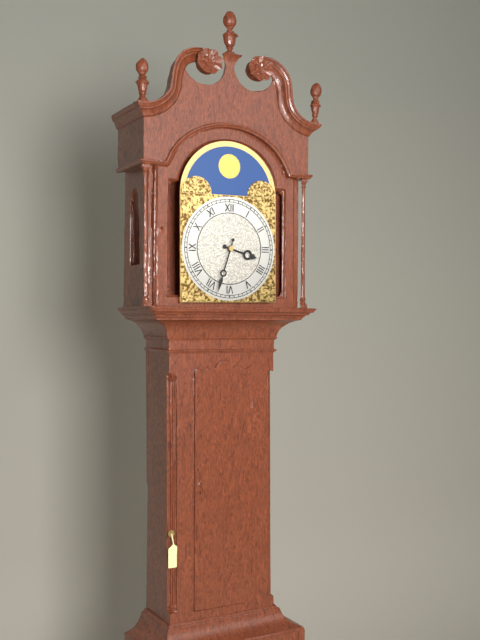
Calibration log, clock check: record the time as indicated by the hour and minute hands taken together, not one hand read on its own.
3:33
